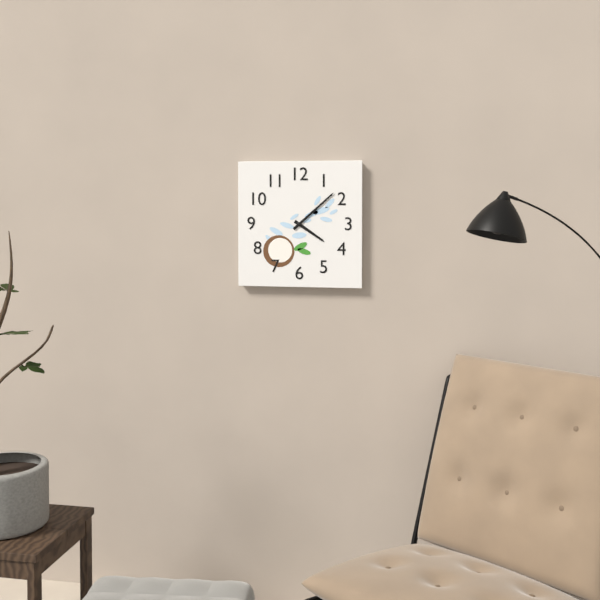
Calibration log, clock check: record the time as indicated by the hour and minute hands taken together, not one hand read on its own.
4:08
